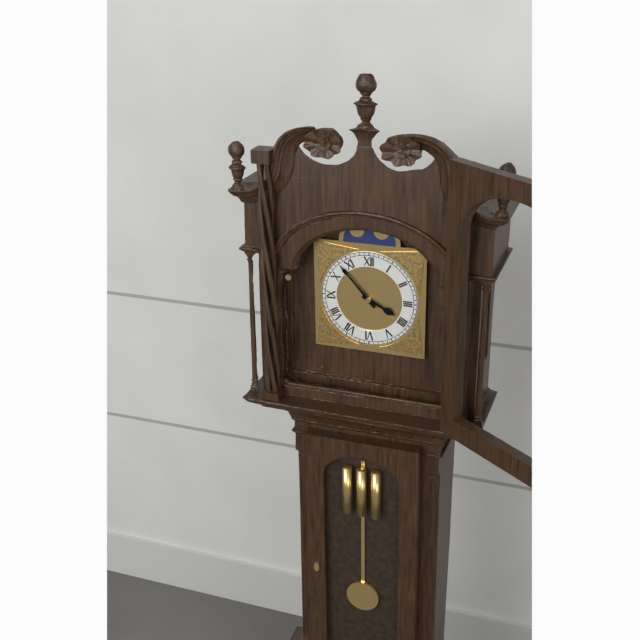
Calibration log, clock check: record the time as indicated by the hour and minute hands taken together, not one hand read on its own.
3:53
